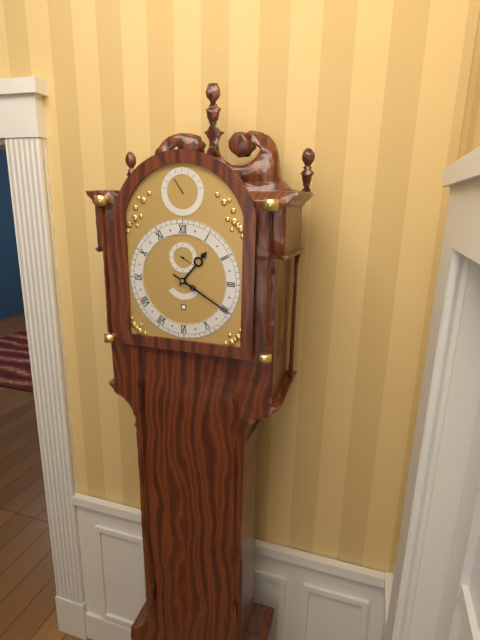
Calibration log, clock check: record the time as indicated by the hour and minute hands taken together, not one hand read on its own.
1:20
